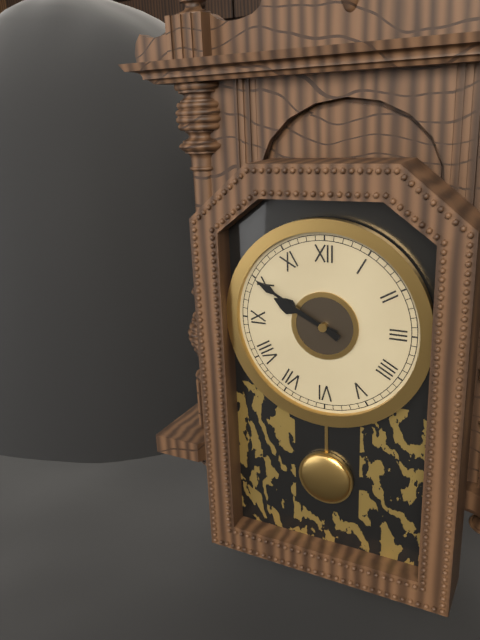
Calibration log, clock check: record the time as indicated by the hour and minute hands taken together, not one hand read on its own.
9:50
